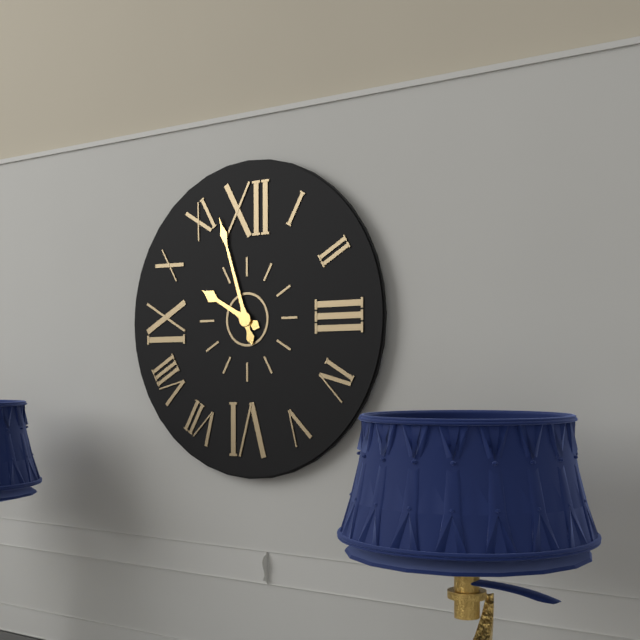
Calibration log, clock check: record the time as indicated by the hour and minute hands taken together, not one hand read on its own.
9:57
